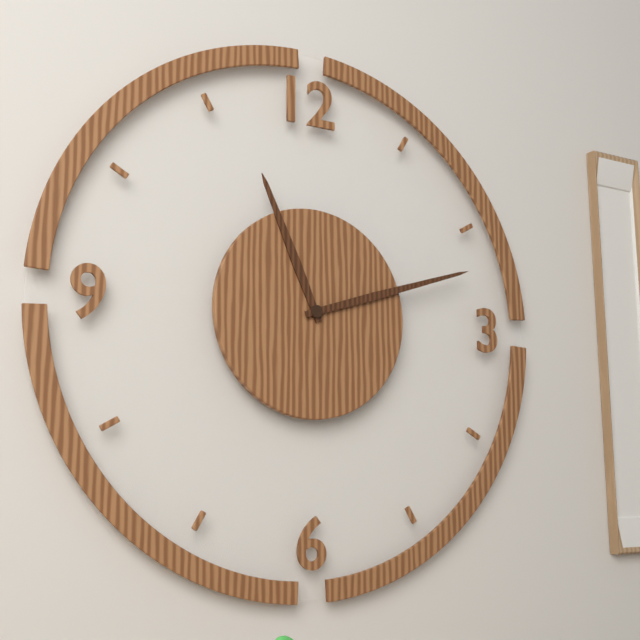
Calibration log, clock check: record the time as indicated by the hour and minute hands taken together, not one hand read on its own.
11:12
